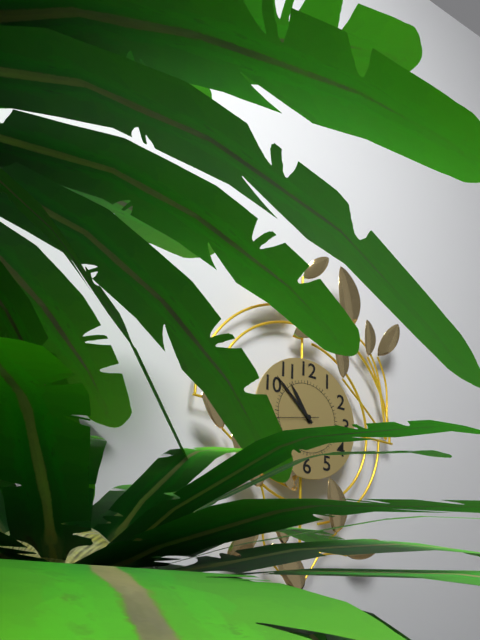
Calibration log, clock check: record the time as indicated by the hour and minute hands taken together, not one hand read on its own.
10:52
